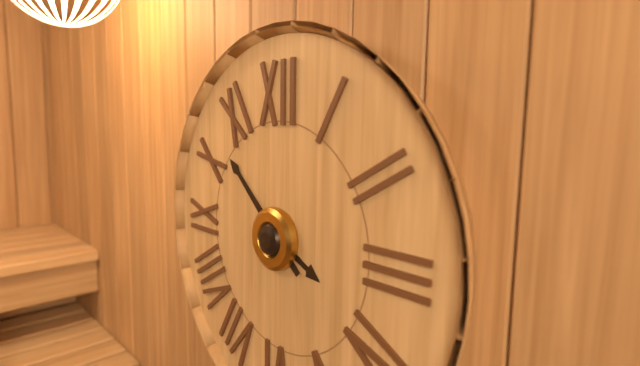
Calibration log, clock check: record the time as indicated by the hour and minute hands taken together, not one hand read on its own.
3:52
